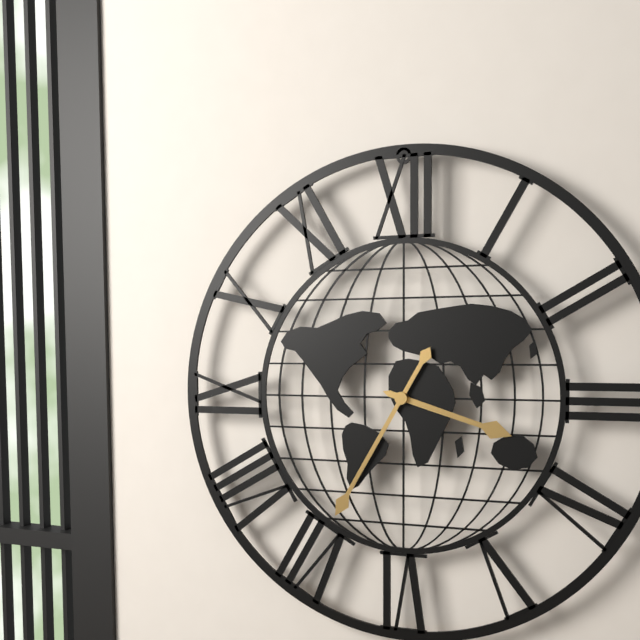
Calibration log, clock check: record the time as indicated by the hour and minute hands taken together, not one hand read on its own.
3:35
